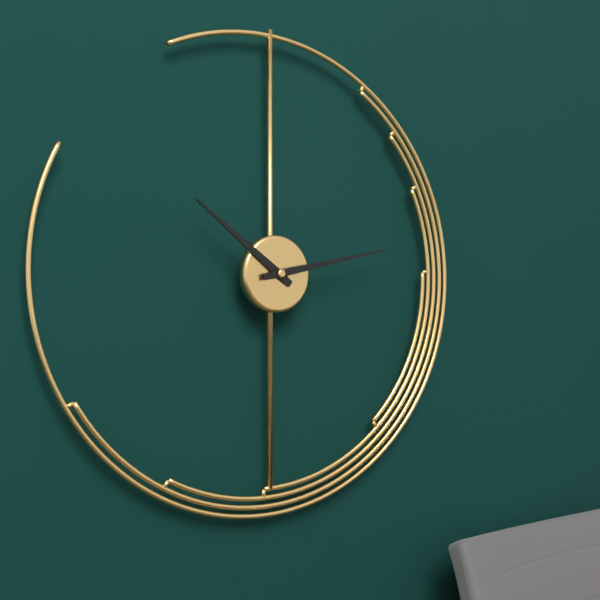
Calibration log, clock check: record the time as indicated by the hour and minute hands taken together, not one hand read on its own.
10:13
